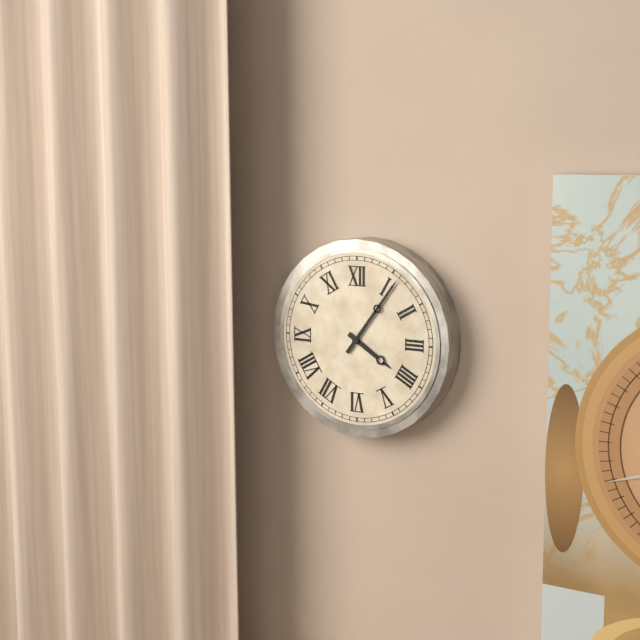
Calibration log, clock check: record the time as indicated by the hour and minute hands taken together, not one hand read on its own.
4:06
